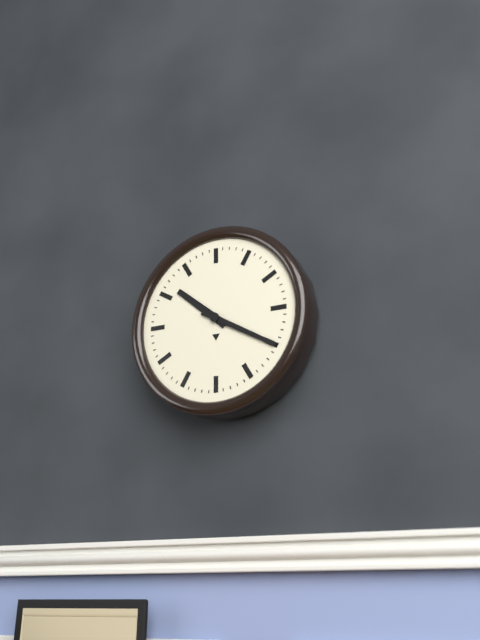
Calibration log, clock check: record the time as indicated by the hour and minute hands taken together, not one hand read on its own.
10:20
